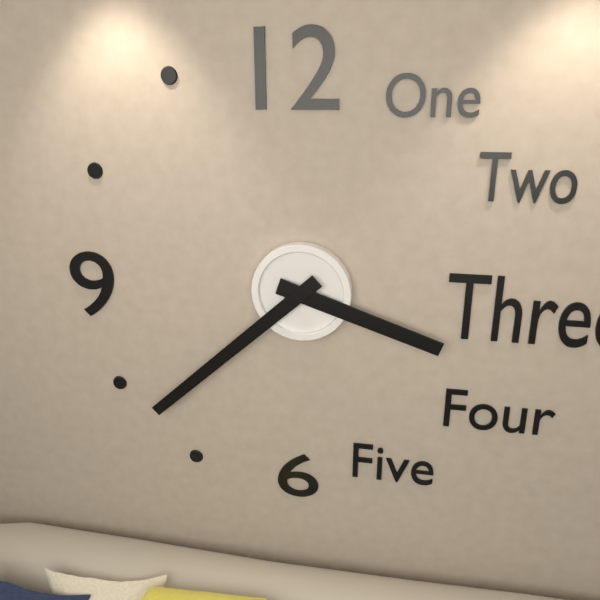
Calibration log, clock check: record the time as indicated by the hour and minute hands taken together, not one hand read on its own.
3:38
